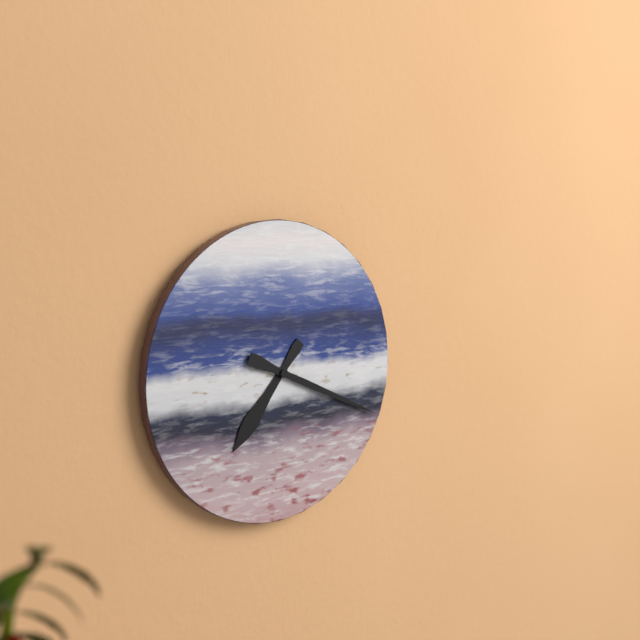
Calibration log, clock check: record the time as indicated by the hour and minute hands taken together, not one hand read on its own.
7:19
